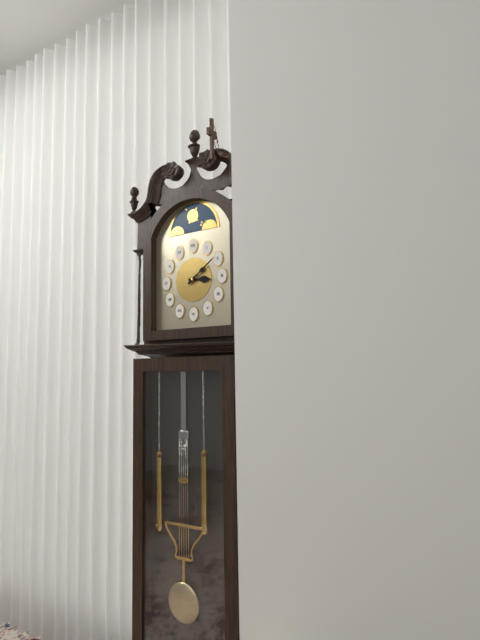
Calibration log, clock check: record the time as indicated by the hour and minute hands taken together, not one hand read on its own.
3:09
